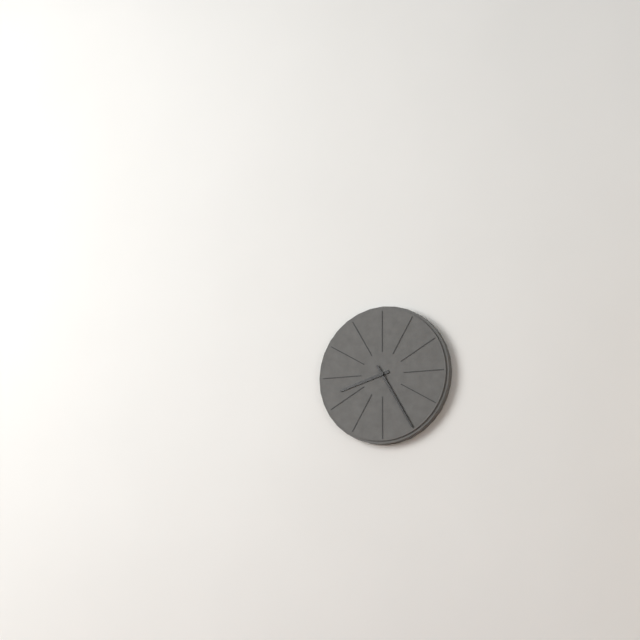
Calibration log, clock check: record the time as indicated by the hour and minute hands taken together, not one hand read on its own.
8:25
